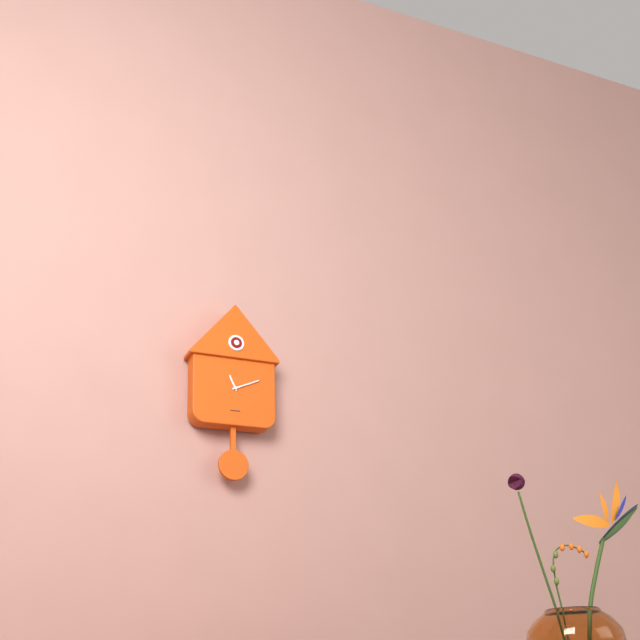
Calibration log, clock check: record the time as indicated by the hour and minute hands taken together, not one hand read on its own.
11:11
